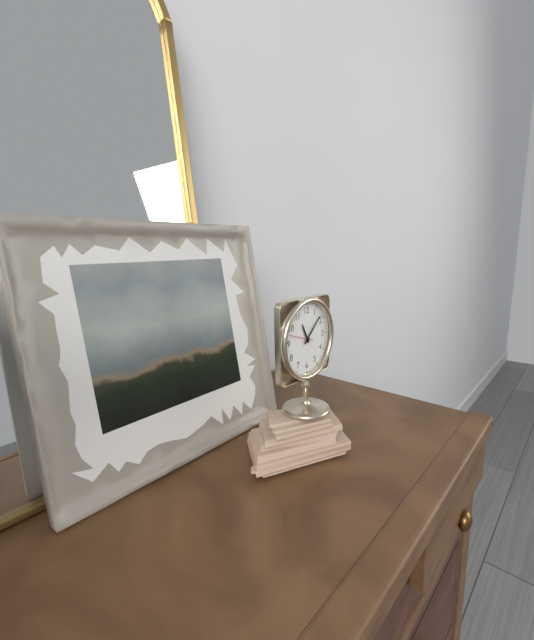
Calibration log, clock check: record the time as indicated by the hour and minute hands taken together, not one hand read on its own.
11:08
